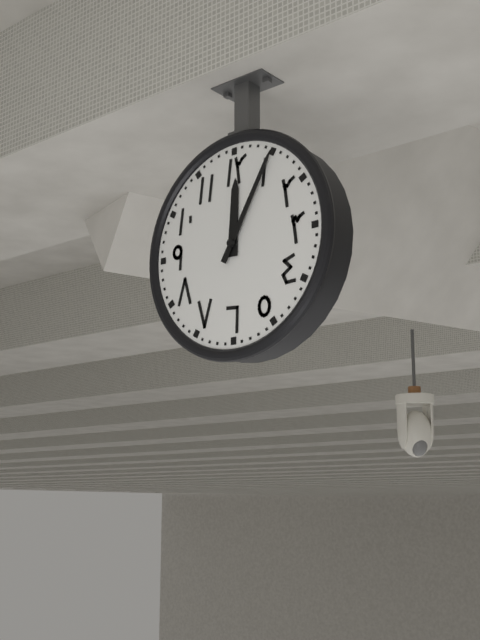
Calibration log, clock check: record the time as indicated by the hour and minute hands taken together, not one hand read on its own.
12:05
